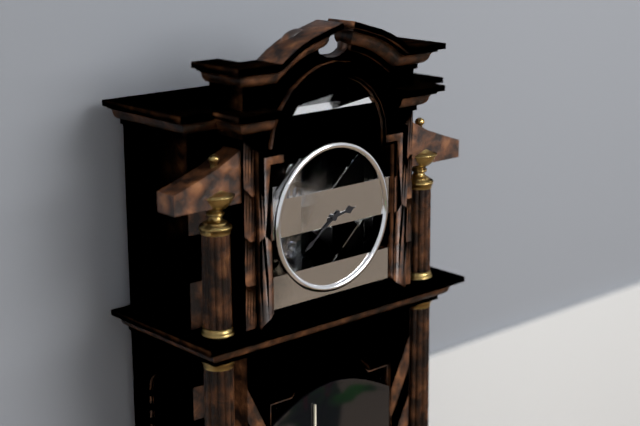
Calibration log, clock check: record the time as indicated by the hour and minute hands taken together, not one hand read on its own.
2:39
